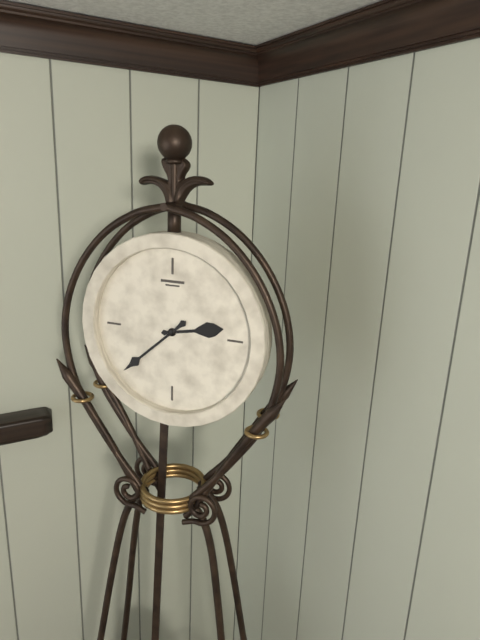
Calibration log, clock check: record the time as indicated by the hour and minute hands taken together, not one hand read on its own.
2:38
